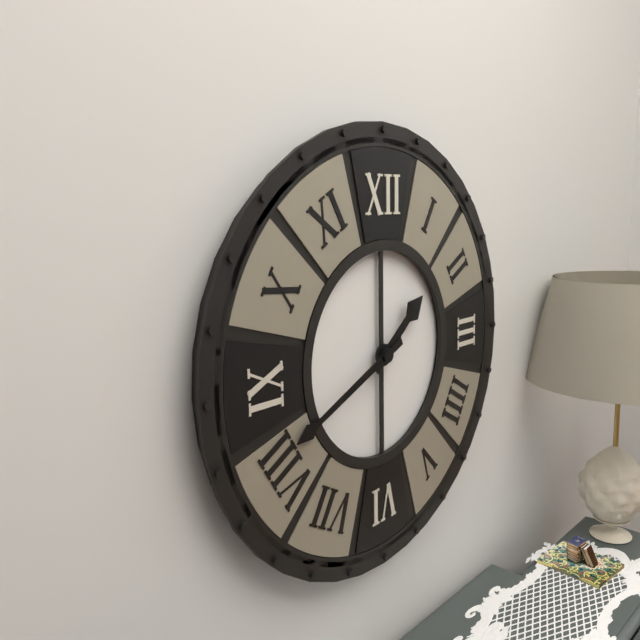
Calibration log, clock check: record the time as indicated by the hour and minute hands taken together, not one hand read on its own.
1:41
